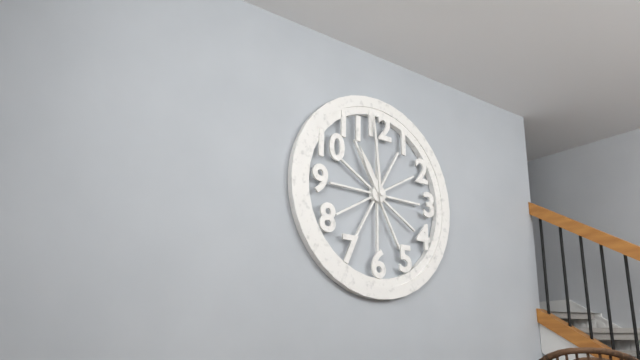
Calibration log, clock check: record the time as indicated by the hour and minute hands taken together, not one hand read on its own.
10:59
